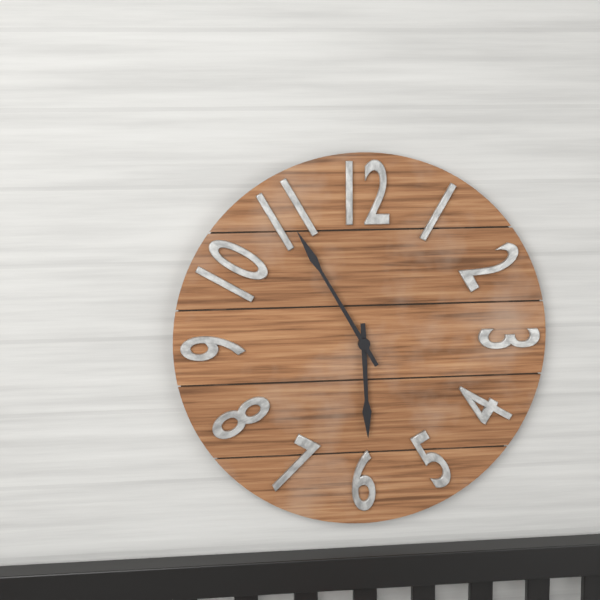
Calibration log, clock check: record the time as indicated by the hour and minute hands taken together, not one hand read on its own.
5:55
